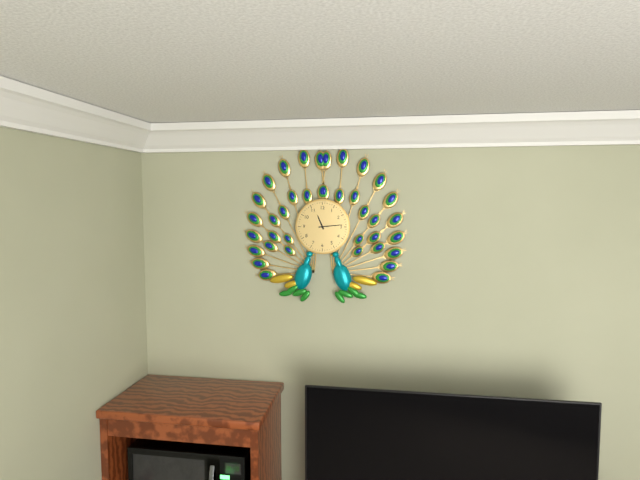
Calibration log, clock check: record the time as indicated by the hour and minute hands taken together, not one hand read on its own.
11:14
